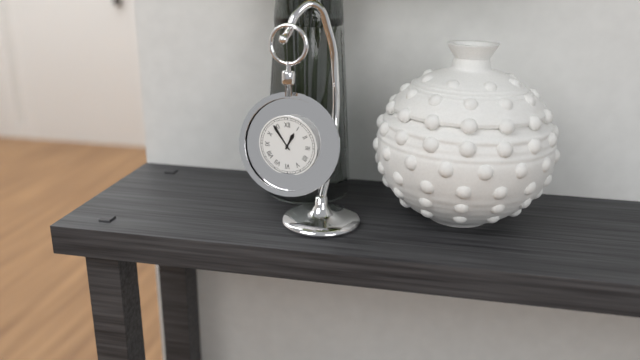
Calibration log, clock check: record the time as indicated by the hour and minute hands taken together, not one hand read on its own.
12:54
